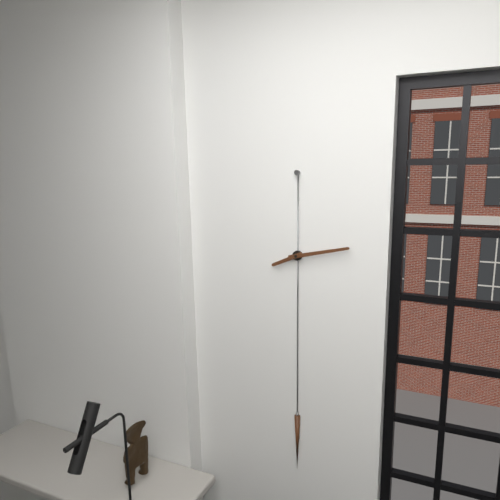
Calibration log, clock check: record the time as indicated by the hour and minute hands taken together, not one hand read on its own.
8:13
